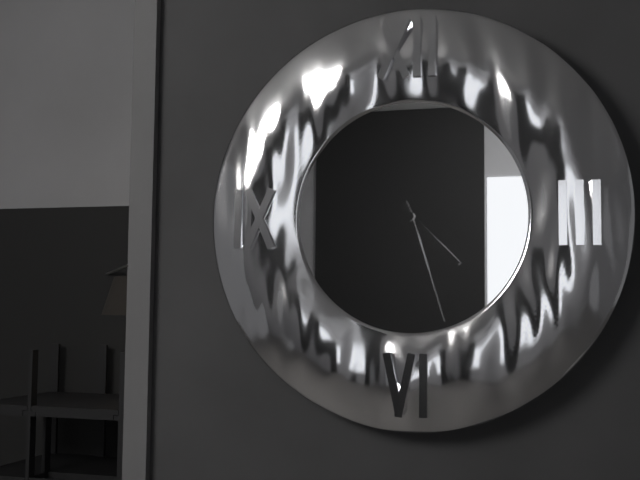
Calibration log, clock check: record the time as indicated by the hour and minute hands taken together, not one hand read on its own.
4:27
